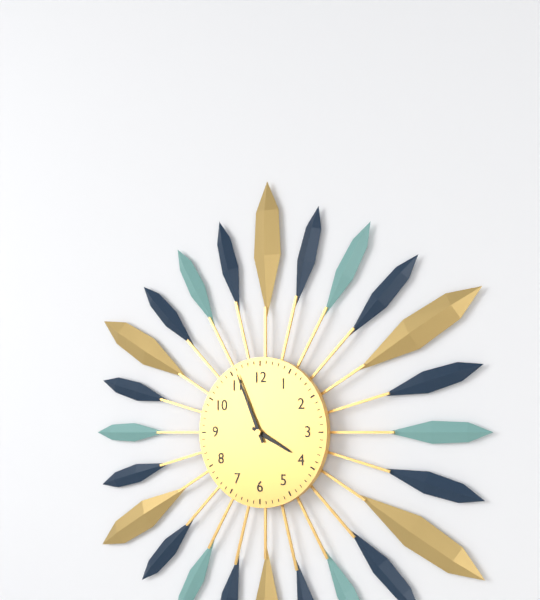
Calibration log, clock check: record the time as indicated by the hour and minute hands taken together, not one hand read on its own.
3:56
